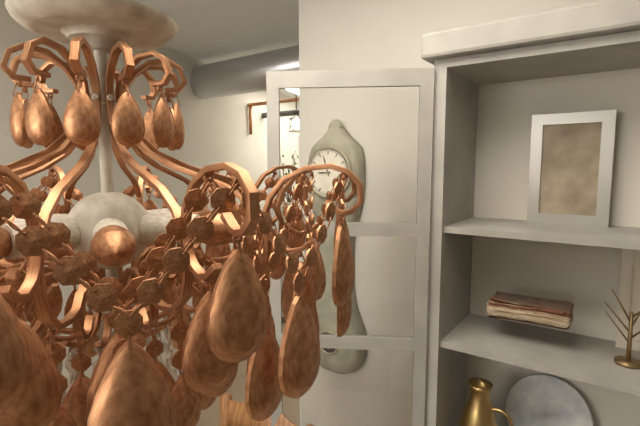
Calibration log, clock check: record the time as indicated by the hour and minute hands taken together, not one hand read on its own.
8:57
